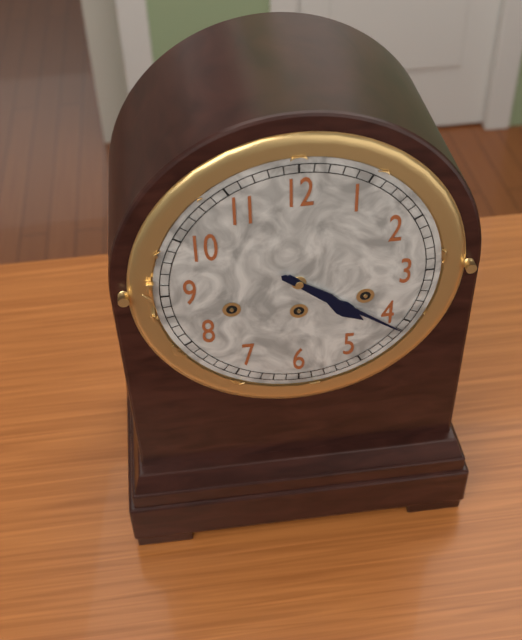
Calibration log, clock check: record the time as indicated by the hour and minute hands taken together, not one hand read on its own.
4:21
